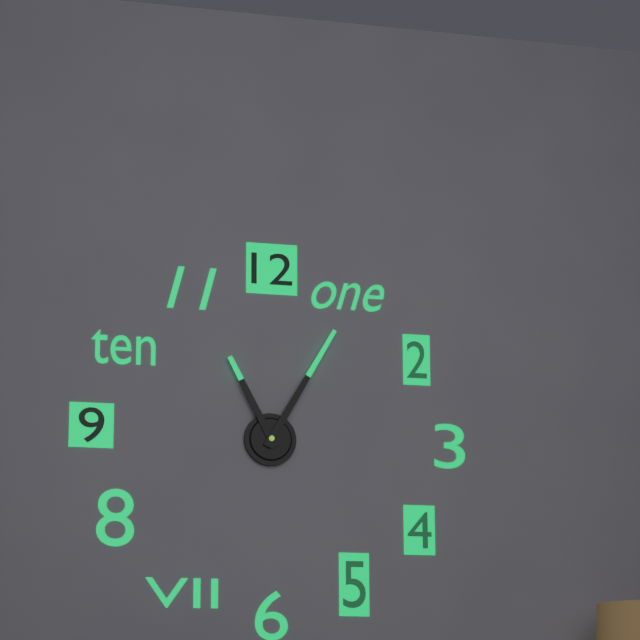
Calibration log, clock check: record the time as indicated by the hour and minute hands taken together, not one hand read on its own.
11:05
